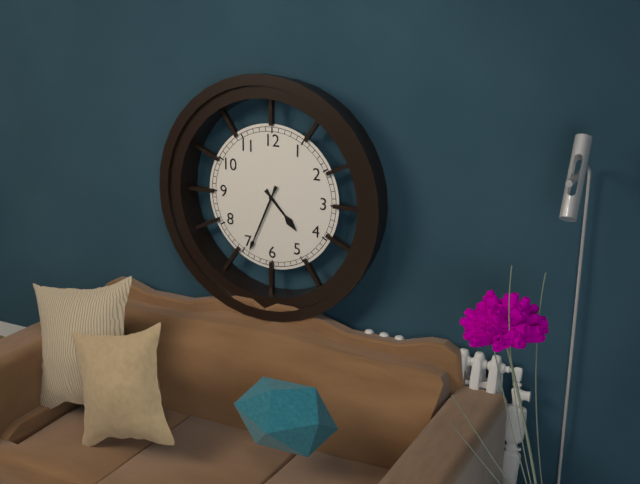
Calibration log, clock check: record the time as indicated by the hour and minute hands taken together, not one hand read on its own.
4:34
